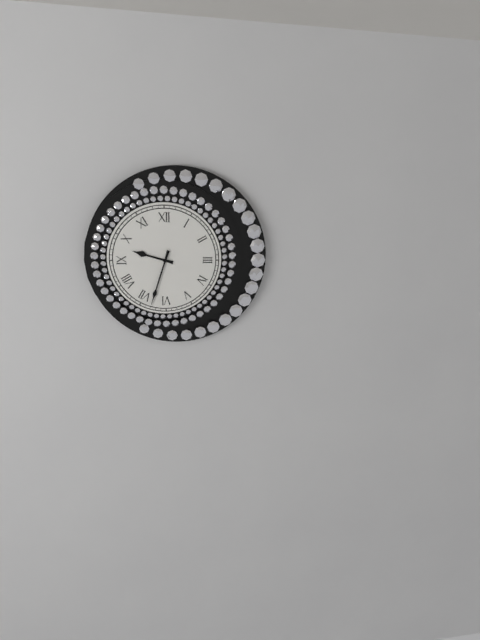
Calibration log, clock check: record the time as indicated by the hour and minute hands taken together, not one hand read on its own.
9:33
